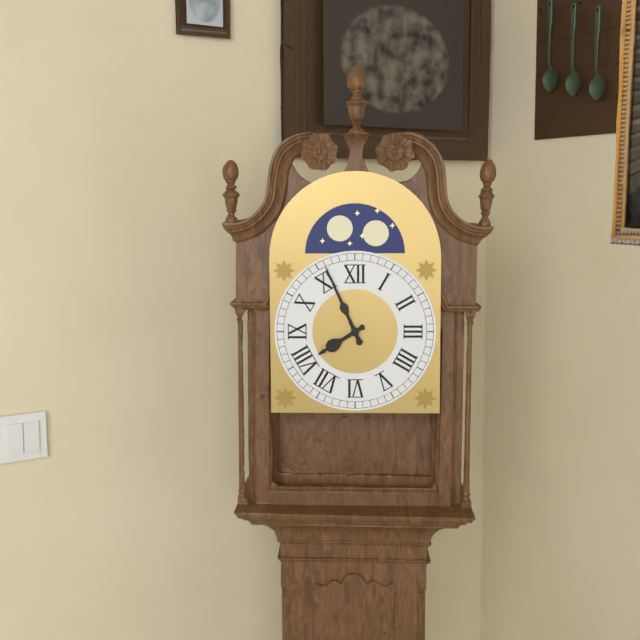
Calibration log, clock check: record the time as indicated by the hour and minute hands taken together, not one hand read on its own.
7:56
